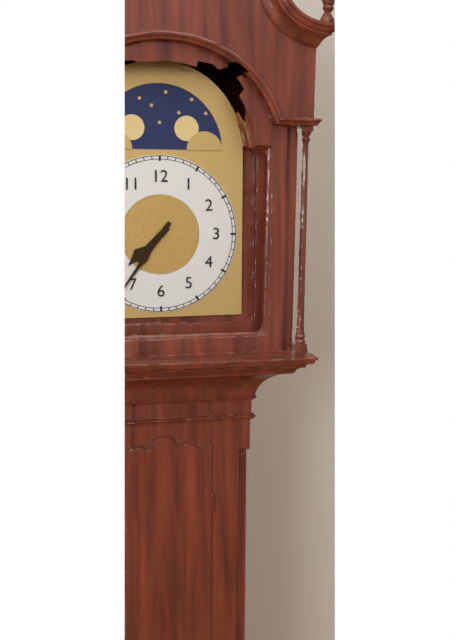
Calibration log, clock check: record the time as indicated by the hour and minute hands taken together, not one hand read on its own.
7:36
